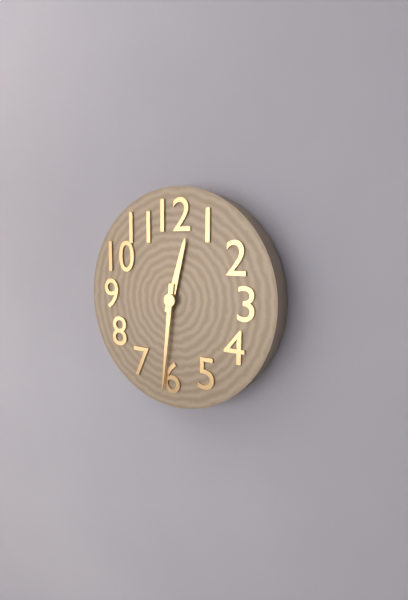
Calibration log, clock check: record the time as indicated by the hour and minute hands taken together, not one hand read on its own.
12:31
